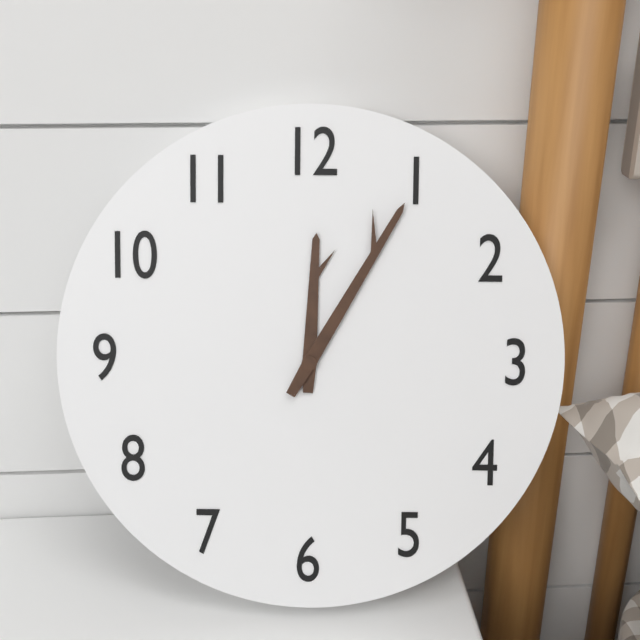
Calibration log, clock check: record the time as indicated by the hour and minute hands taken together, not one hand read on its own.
12:05
